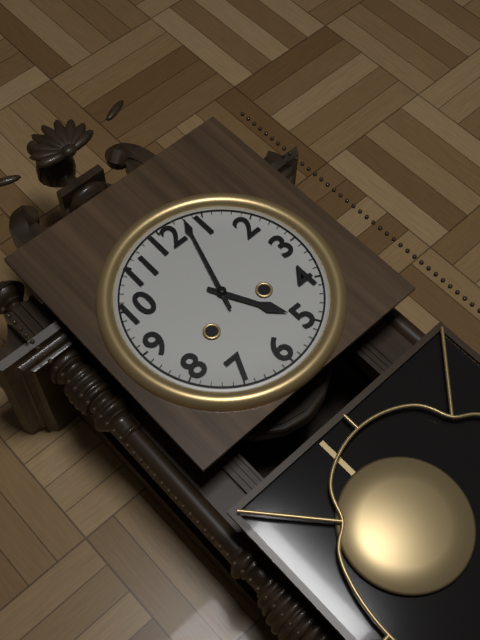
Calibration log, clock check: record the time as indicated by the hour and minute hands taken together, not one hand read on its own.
5:03
